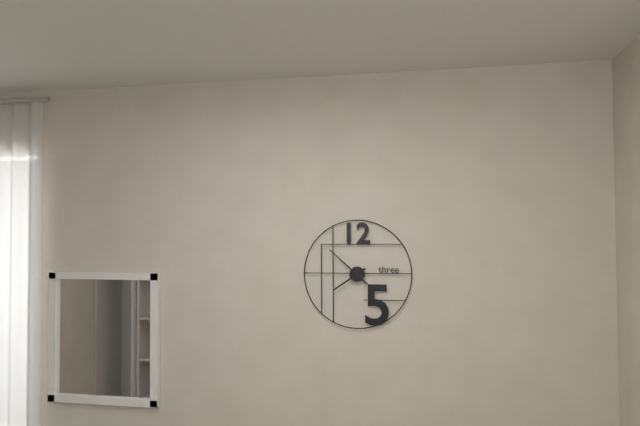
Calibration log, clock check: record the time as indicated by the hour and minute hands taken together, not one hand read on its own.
7:52
